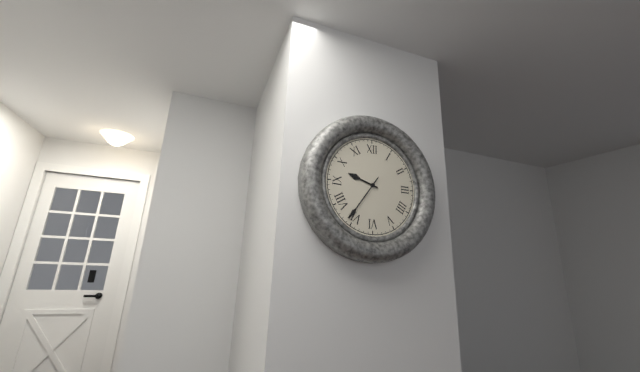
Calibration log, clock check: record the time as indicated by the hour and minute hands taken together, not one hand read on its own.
9:36
